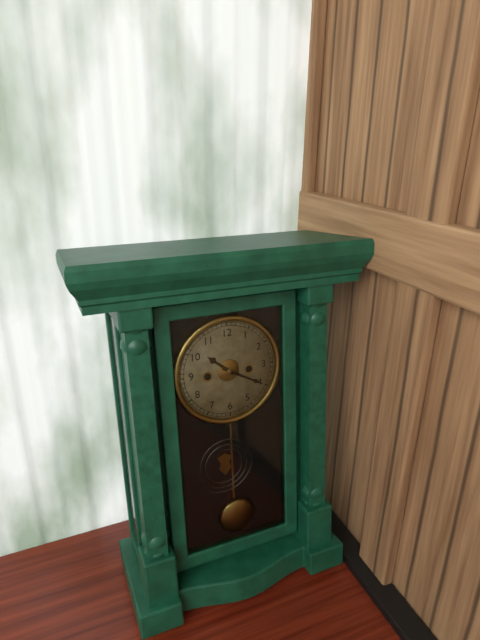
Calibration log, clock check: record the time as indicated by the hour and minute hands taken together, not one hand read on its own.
10:20
